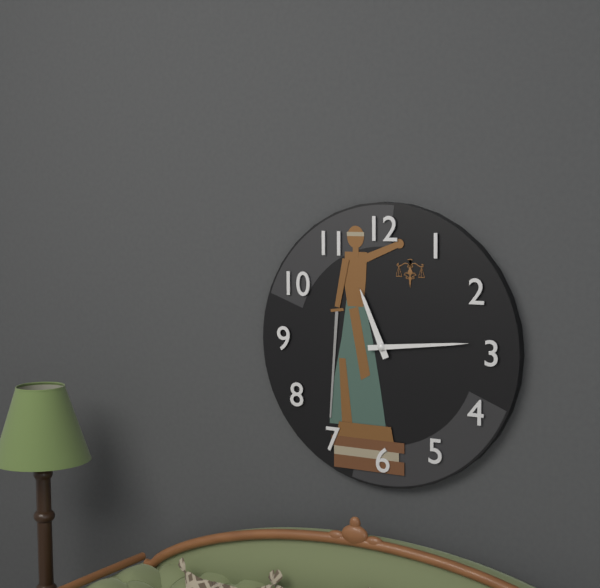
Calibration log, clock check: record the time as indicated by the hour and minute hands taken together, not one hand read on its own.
11:14
